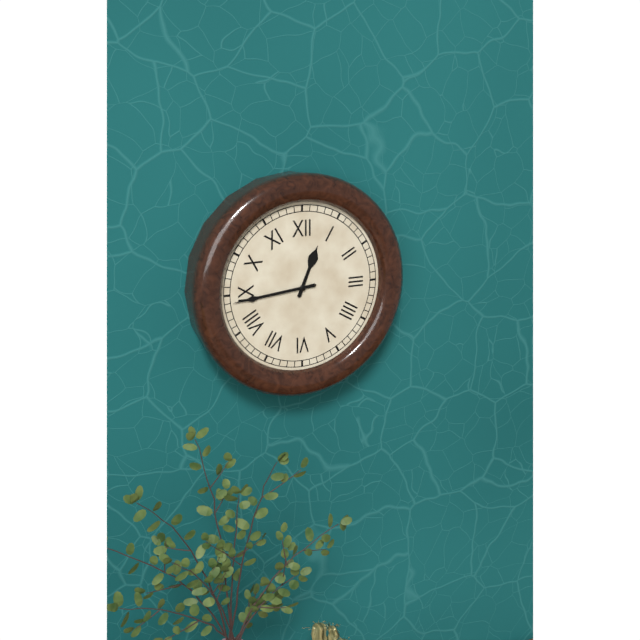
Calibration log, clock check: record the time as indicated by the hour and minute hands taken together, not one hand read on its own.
12:44
